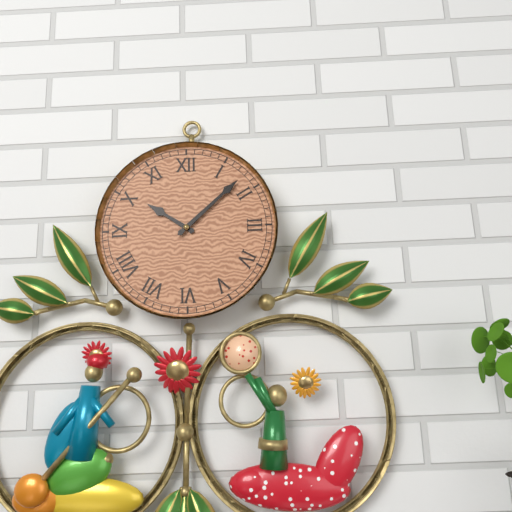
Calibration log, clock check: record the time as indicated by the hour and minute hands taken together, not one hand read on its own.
10:08
